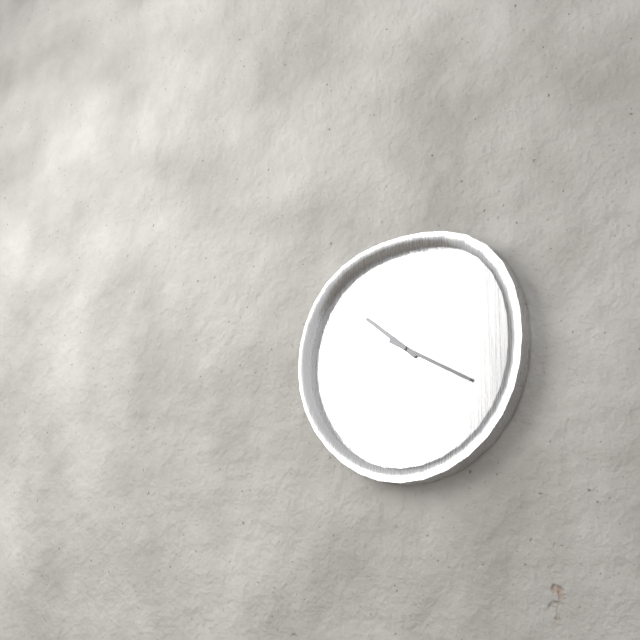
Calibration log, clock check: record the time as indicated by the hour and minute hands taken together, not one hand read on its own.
10:20
